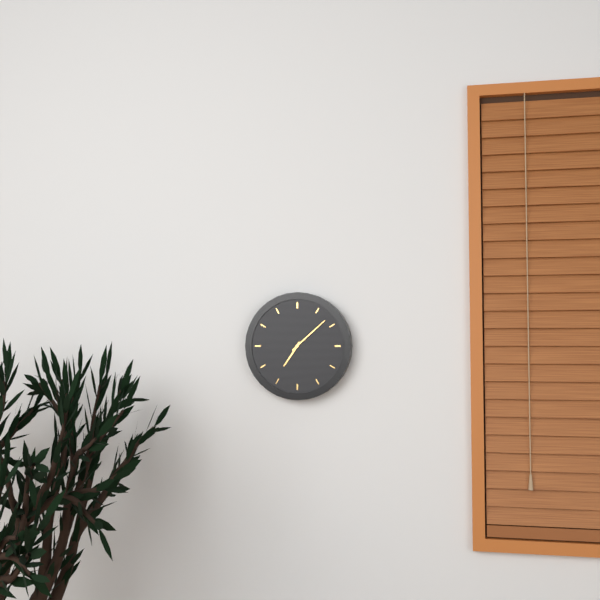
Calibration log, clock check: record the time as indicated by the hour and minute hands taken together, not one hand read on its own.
7:08
